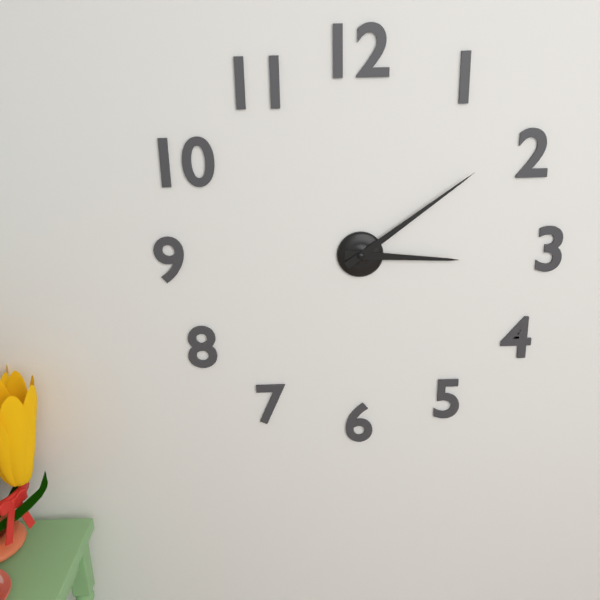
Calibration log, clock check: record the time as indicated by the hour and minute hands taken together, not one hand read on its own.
3:09
